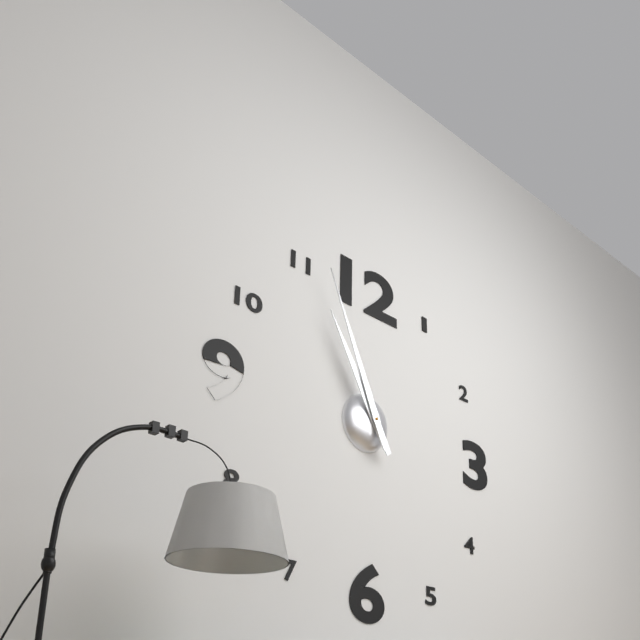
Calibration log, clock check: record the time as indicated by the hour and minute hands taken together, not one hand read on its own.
10:56
